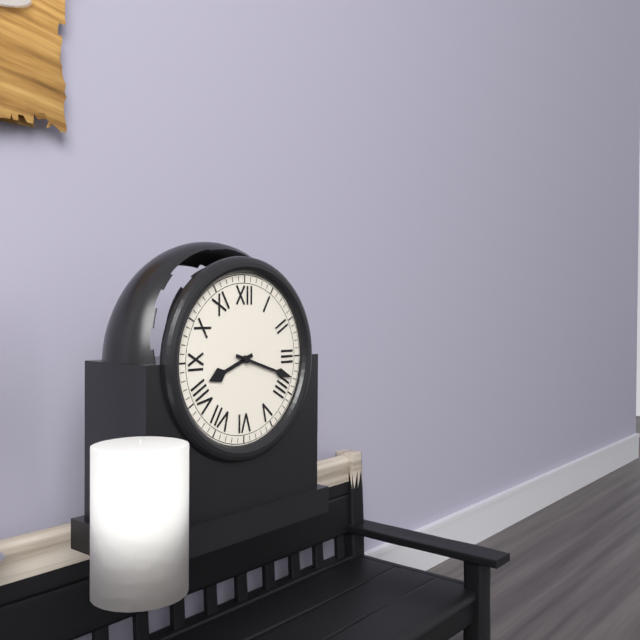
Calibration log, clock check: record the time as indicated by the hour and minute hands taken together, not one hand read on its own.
8:18
